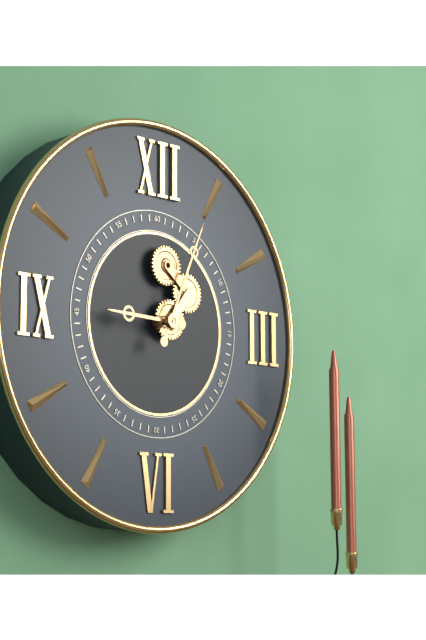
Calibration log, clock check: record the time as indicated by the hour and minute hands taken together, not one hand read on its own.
9:04
